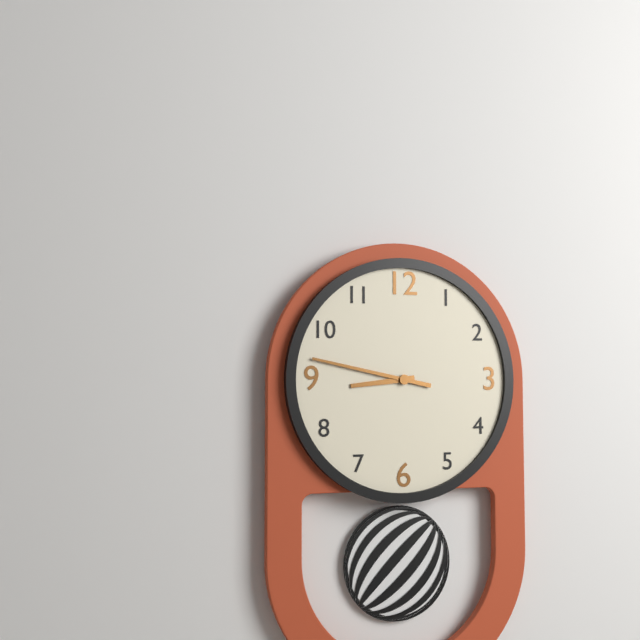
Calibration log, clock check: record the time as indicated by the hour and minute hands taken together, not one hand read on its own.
8:47
